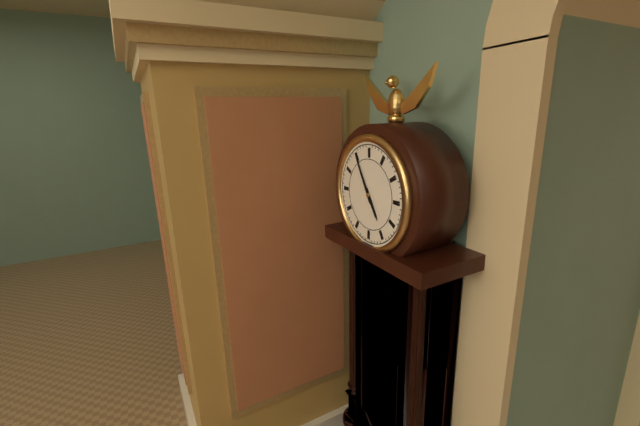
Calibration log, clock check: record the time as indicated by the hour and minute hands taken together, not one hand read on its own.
4:55
